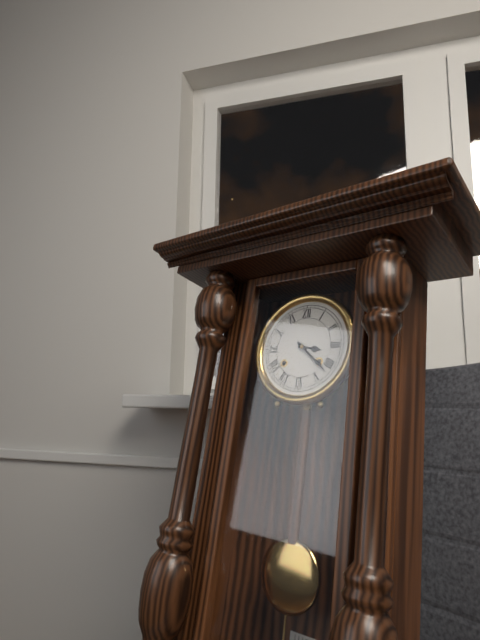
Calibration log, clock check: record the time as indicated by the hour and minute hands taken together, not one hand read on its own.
3:22
